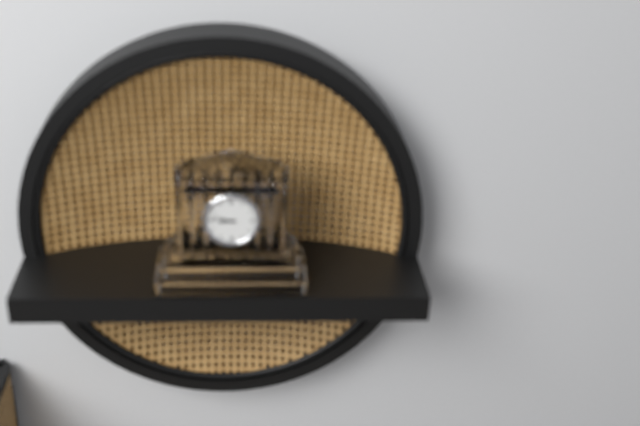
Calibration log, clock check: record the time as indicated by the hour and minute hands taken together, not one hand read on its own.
8:47
